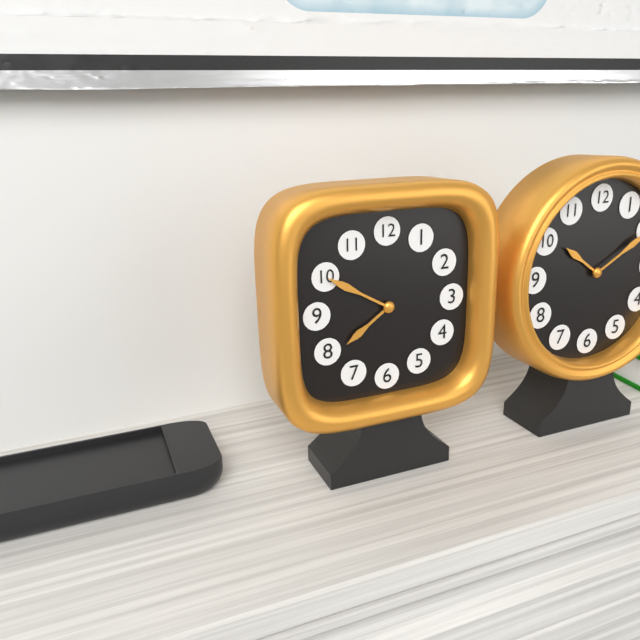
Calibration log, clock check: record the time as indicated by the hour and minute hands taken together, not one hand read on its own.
7:50
